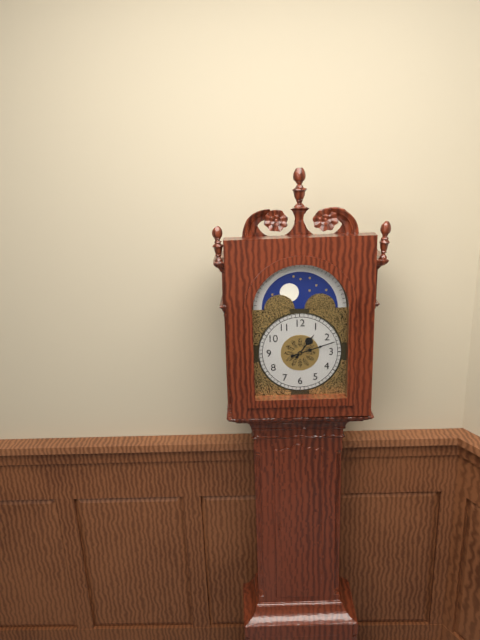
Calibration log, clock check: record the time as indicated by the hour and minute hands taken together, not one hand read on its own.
1:12
